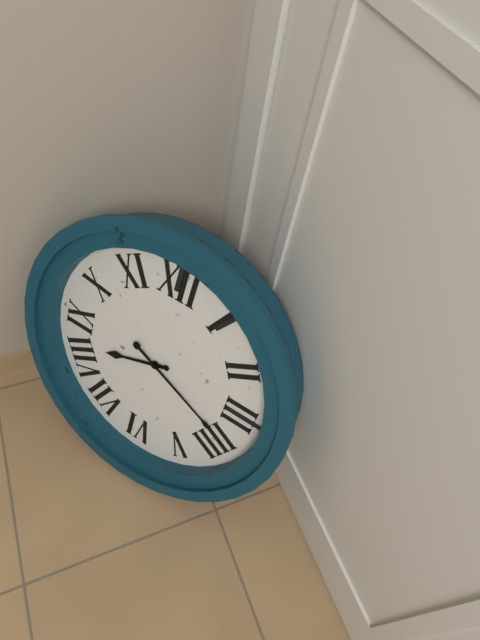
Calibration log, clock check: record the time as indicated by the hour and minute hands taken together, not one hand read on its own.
8:19
